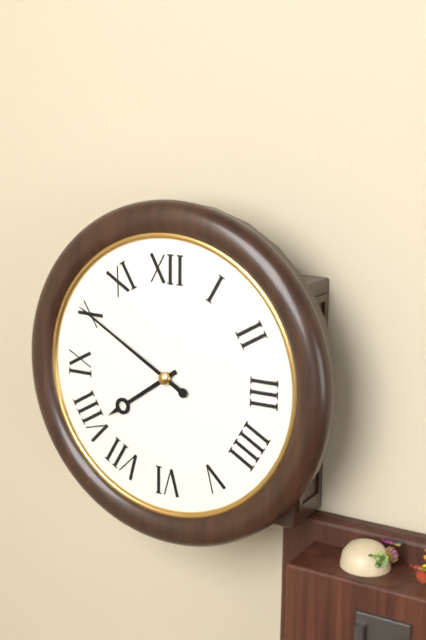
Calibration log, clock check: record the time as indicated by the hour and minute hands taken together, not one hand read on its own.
7:50
